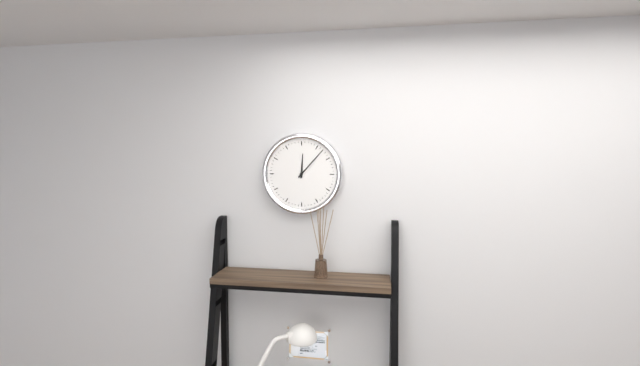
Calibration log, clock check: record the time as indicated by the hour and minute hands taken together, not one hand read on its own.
12:07
